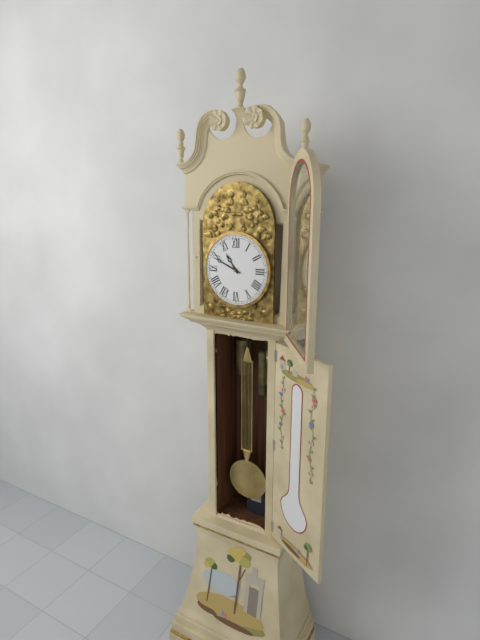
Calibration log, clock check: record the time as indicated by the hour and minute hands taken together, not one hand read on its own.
10:49
